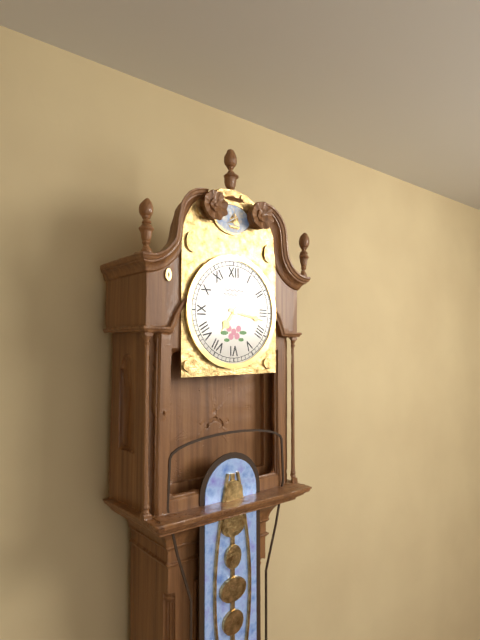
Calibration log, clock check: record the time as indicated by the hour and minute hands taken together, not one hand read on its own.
7:17
